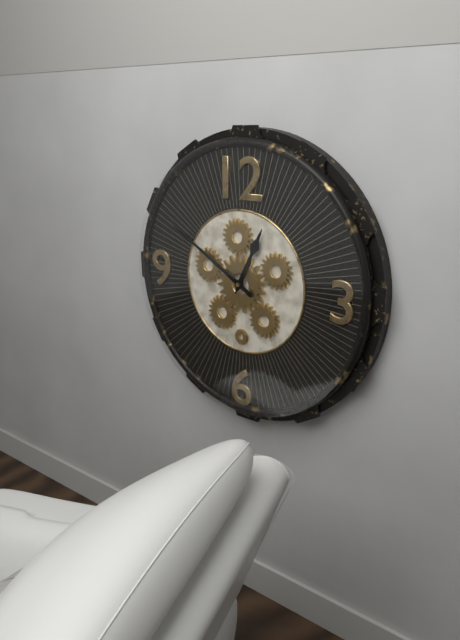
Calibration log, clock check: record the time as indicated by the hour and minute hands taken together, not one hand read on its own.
12:50
